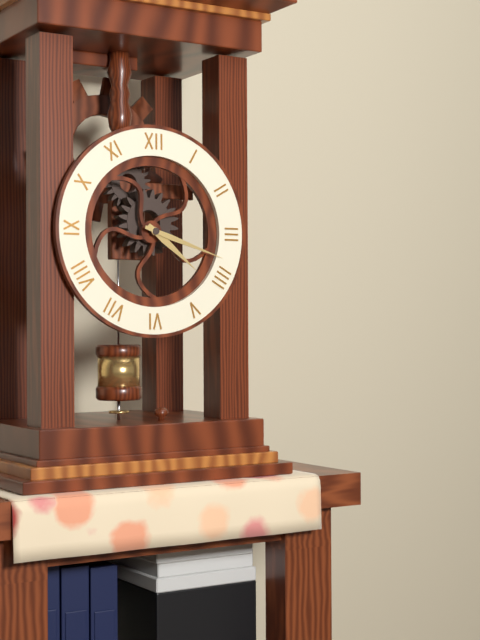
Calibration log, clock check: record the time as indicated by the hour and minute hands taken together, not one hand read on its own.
4:18
